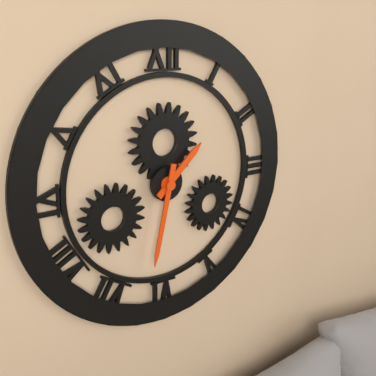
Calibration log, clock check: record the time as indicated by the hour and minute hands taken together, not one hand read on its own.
1:32
